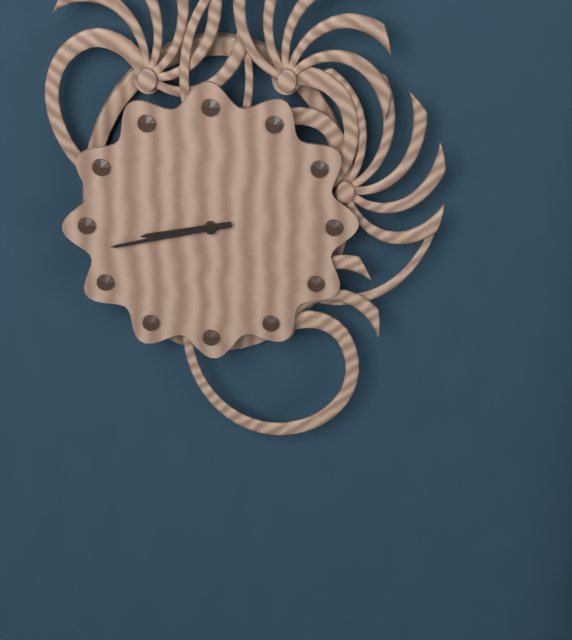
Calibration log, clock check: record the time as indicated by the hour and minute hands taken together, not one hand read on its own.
8:43
